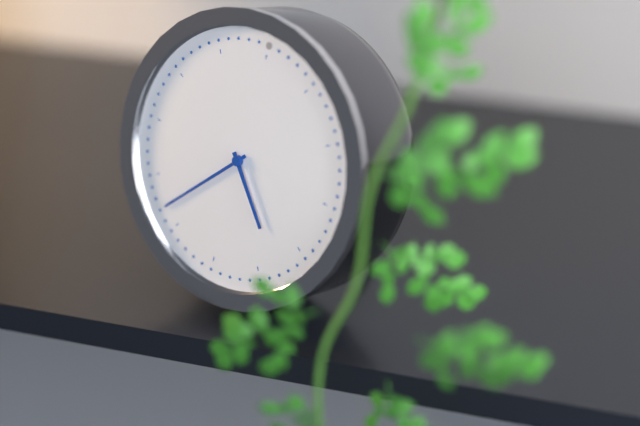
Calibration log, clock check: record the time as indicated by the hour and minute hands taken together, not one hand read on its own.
4:37
